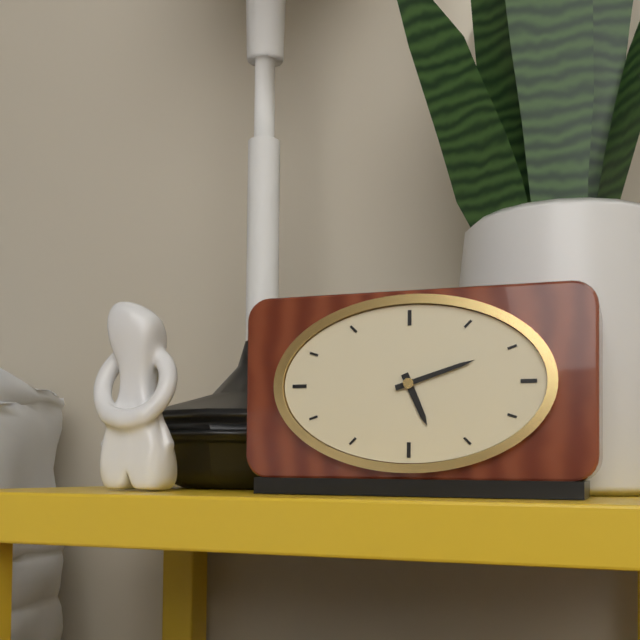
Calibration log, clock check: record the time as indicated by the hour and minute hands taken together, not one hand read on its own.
5:12
